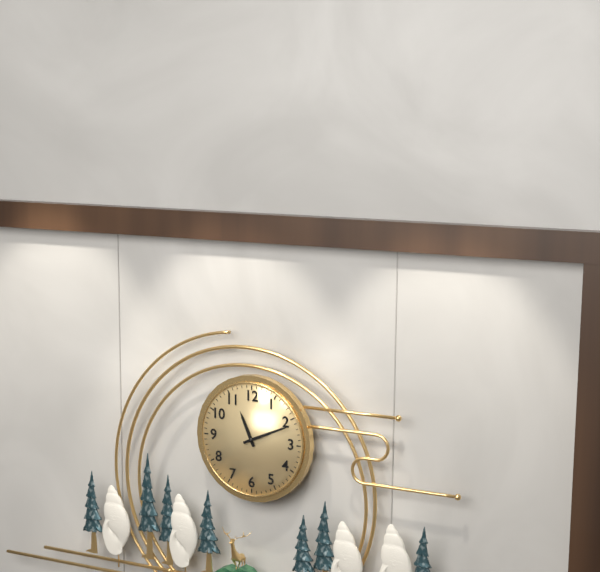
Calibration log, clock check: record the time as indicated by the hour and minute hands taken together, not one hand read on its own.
11:11
